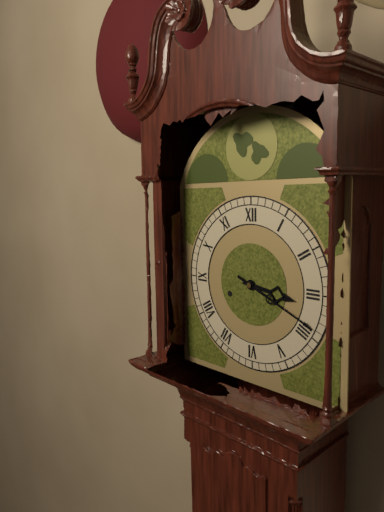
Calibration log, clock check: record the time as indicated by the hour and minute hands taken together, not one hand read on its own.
3:19
